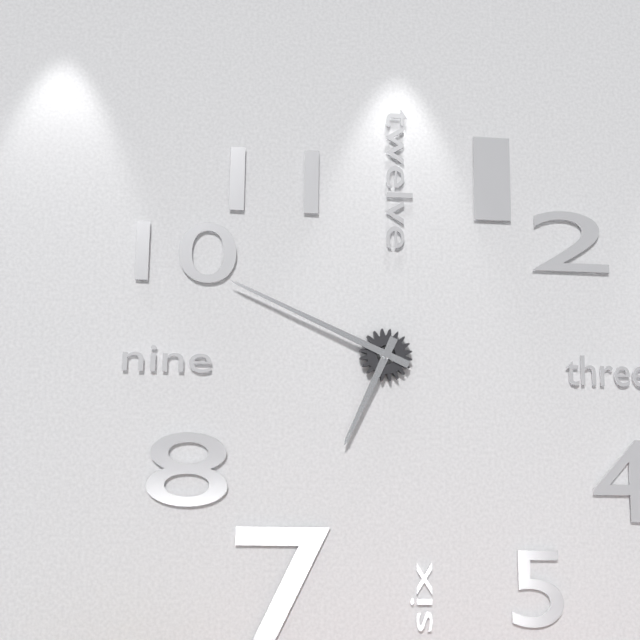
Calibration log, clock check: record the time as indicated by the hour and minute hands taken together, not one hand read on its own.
6:49
